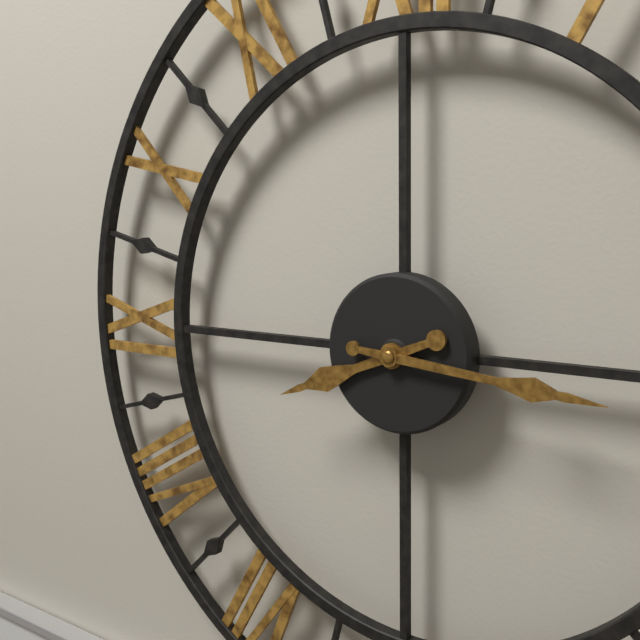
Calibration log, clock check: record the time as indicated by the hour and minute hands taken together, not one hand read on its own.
8:16
